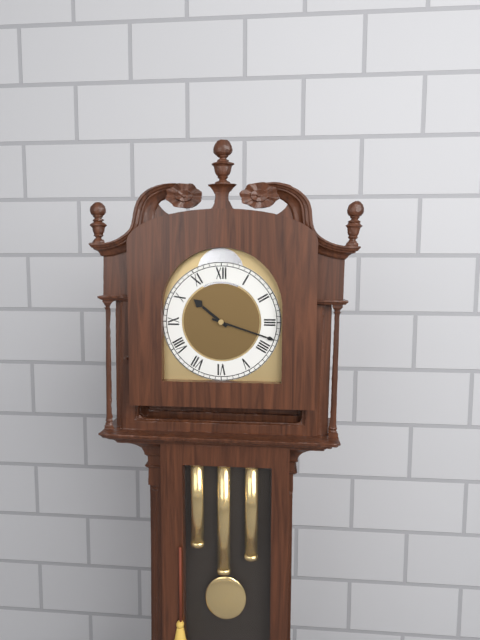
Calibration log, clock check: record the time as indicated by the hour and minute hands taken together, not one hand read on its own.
10:18
